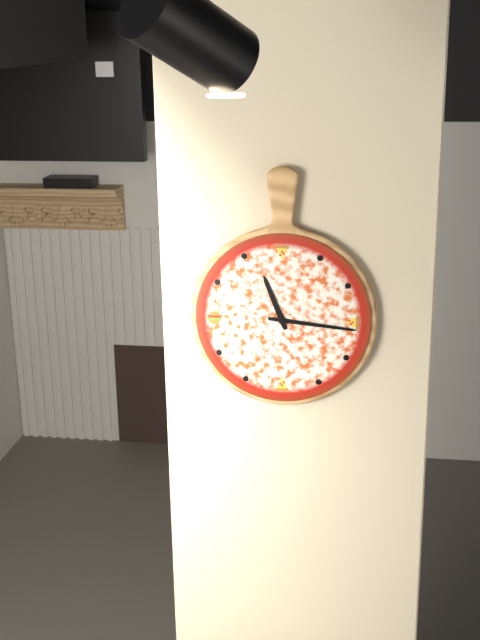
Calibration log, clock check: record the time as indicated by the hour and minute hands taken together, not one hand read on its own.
11:16
